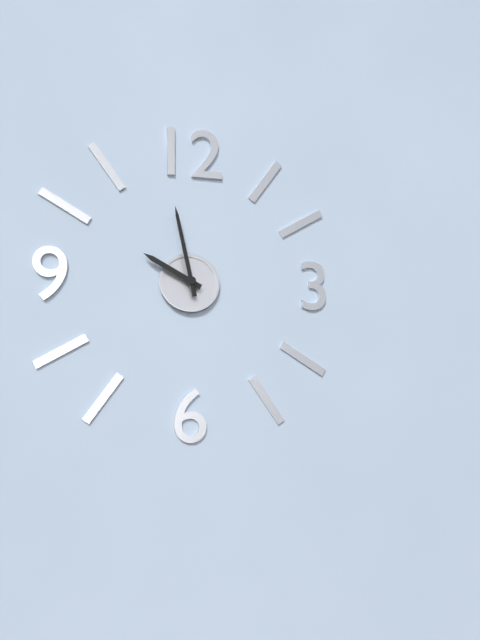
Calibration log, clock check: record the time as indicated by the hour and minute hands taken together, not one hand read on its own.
9:58
